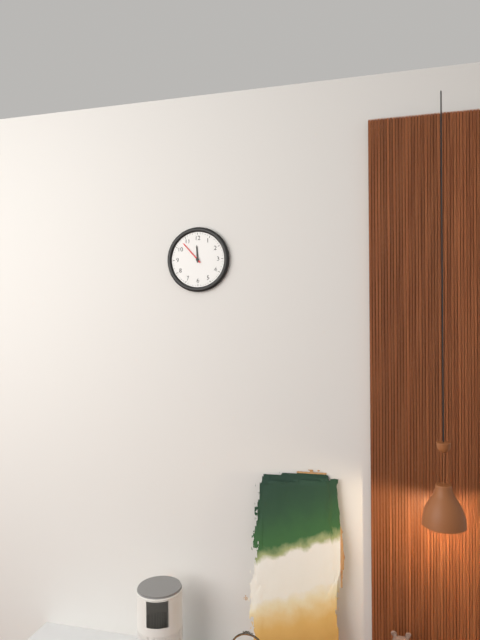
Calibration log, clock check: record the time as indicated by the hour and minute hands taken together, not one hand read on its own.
11:53
